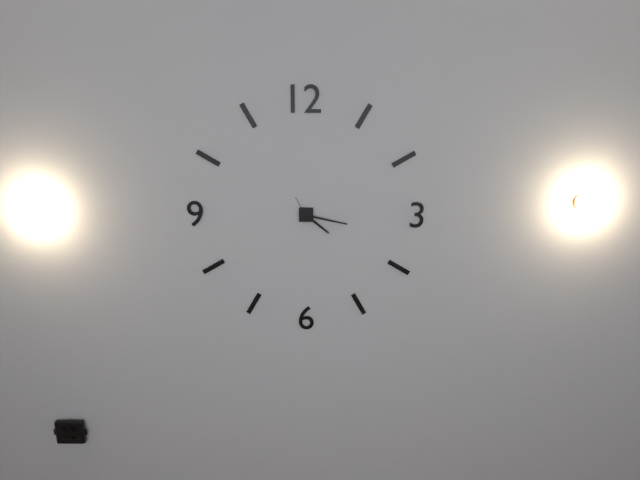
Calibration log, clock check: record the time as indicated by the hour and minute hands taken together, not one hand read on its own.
4:17
